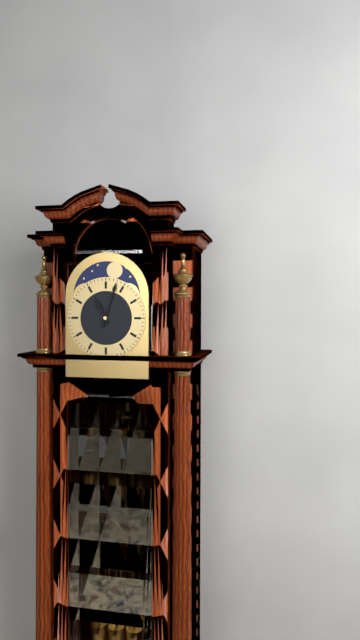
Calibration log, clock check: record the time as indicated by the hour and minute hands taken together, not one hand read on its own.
11:03
